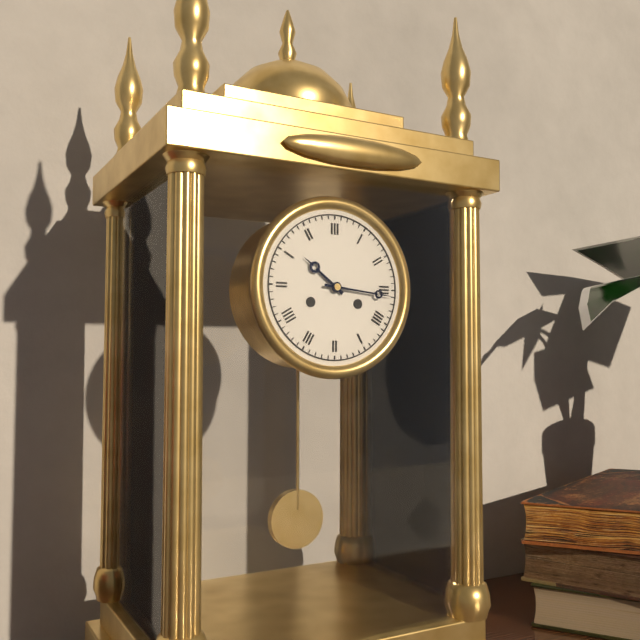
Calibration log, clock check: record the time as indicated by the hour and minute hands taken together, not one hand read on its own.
10:16
